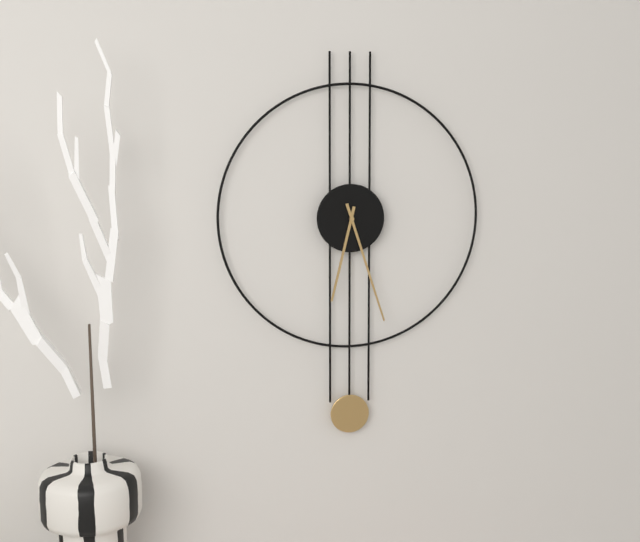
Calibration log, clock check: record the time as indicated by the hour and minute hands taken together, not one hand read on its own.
6:27
